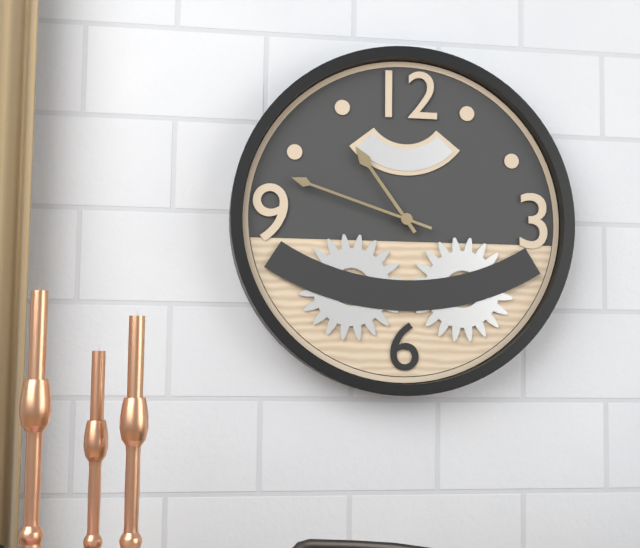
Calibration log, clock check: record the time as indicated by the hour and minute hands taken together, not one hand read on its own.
10:48
